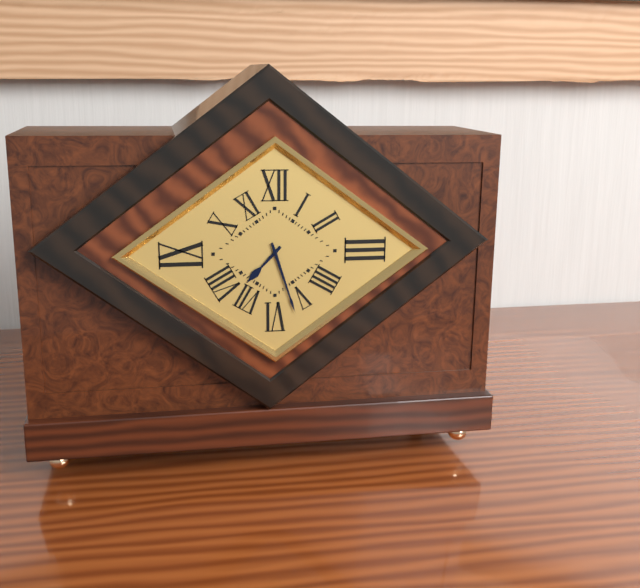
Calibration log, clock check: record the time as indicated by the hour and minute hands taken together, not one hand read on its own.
7:27
